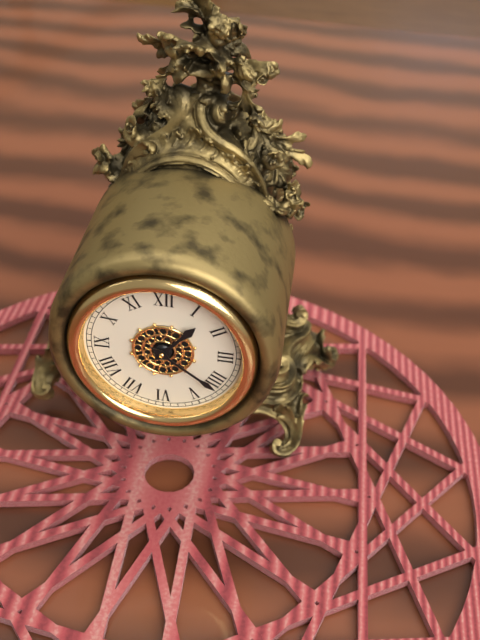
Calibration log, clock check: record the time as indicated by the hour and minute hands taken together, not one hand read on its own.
1:21
